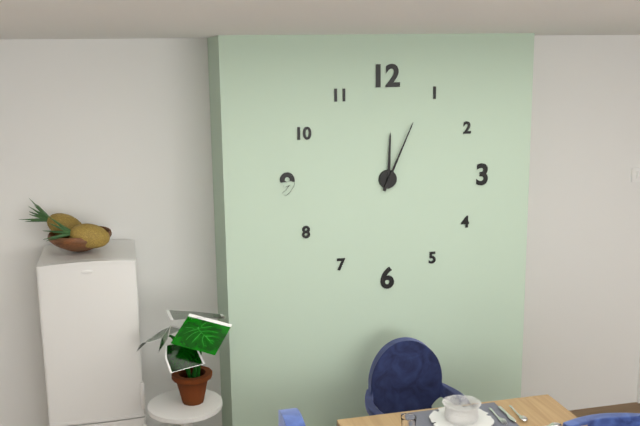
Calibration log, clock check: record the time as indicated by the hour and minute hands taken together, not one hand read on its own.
12:04
